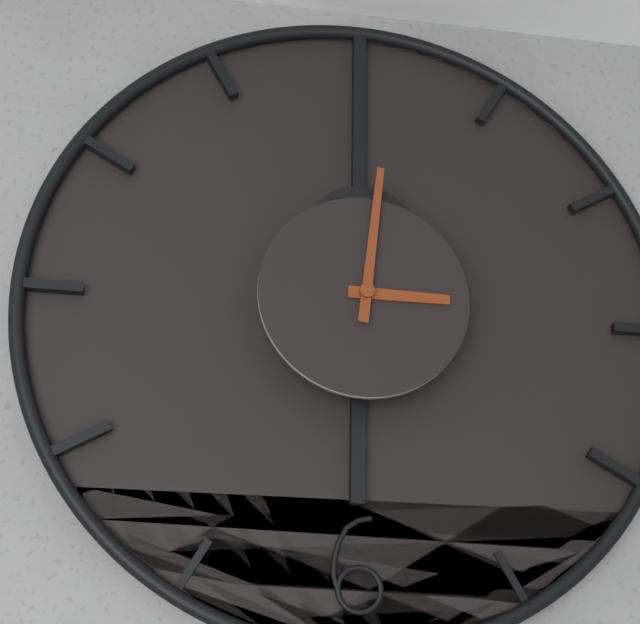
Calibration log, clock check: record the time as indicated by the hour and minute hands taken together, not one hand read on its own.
3:01
